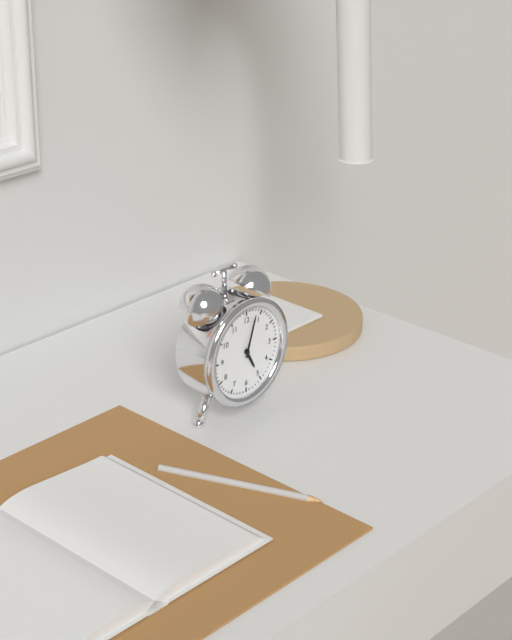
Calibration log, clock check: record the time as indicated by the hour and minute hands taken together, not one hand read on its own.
5:03
